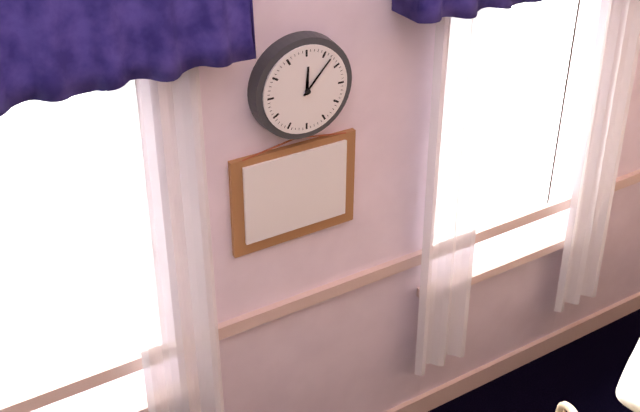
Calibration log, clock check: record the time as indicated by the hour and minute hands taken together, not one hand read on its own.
12:07
